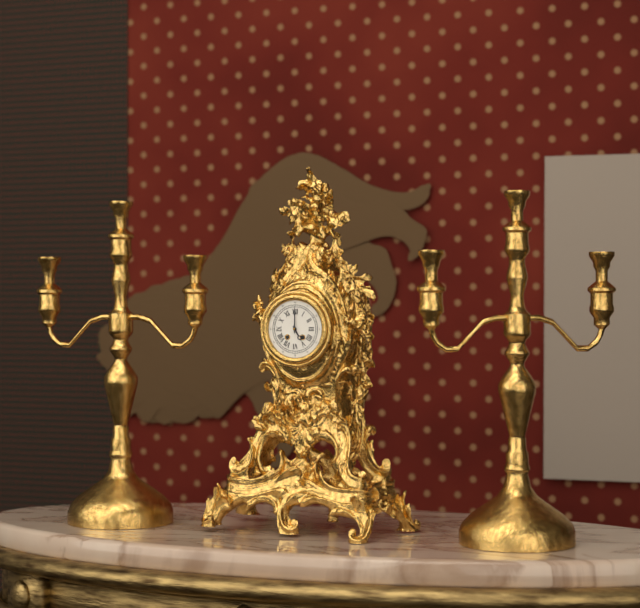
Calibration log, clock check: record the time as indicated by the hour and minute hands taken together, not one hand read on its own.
5:00
